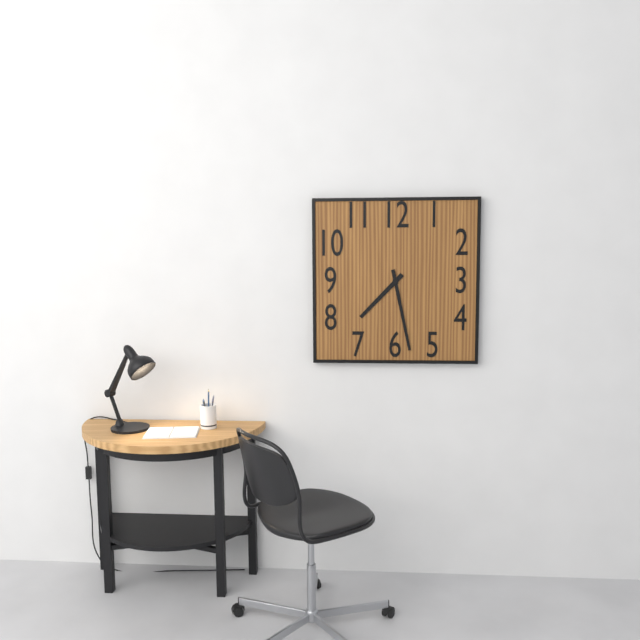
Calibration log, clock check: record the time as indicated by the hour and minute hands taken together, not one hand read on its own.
7:28
